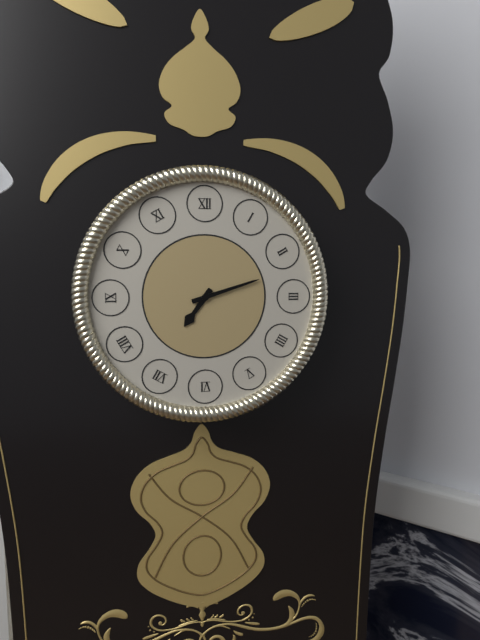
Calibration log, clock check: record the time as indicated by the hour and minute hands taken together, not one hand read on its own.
7:12
